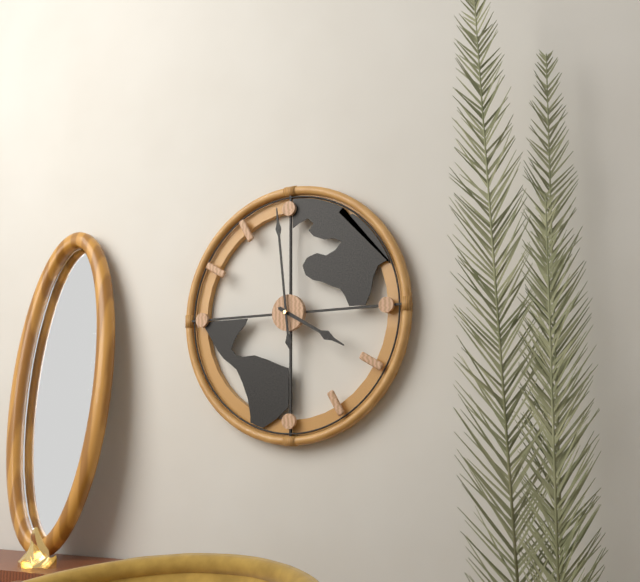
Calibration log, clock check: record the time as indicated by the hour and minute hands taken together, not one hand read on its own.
3:59
